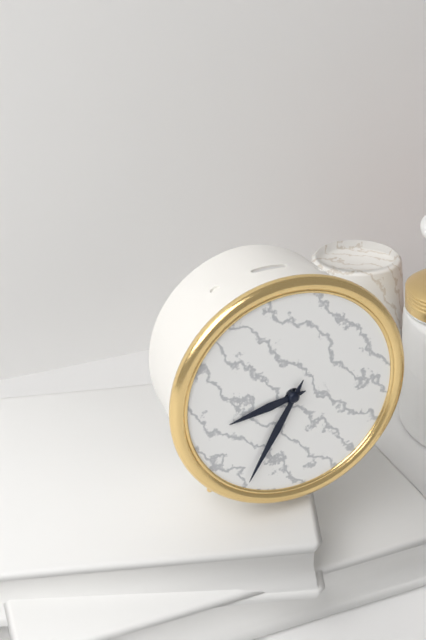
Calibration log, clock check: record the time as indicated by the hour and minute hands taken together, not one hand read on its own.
8:35
